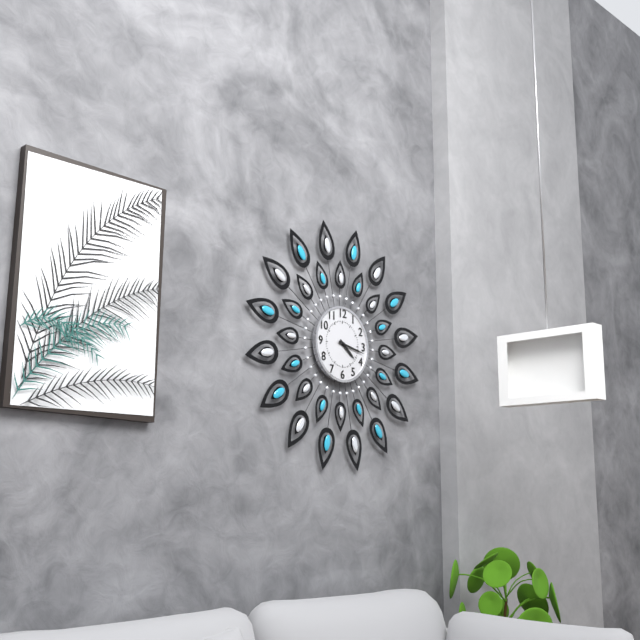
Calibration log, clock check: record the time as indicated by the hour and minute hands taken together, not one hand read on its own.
4:17
